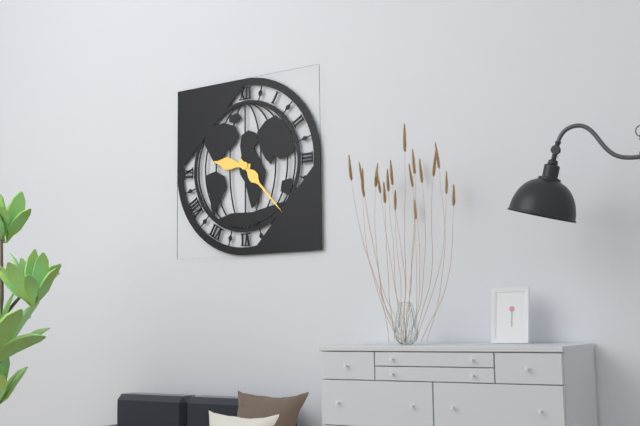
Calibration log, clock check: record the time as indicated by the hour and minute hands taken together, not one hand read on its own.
9:23
